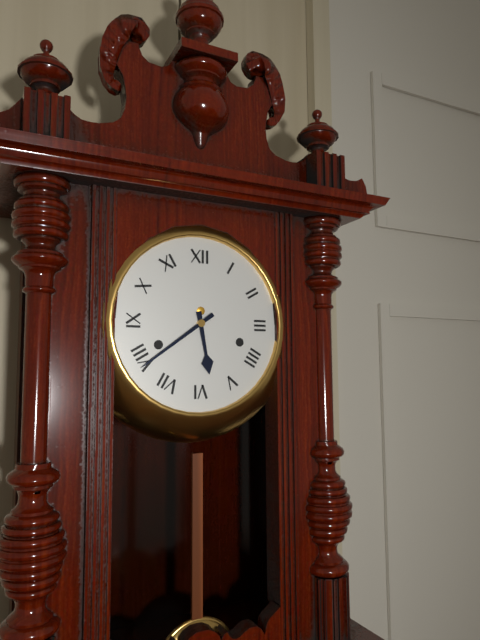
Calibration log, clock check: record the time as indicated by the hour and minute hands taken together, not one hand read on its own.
5:39
